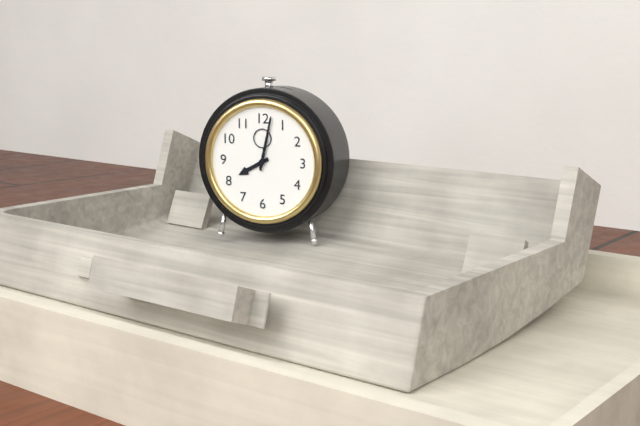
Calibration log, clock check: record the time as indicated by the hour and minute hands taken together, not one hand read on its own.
8:02
